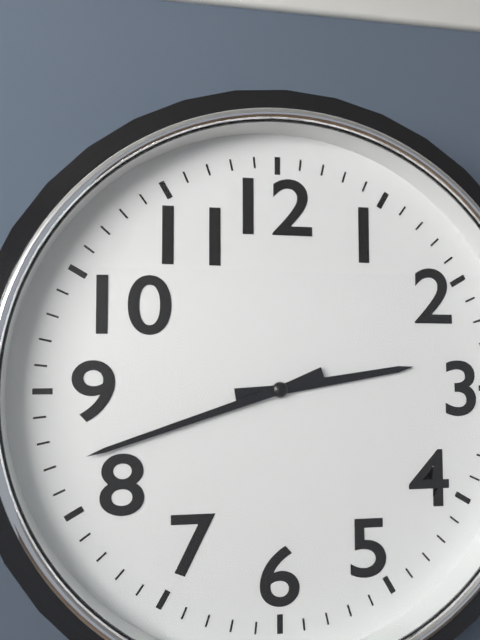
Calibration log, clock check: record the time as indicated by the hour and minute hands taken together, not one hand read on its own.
2:42
